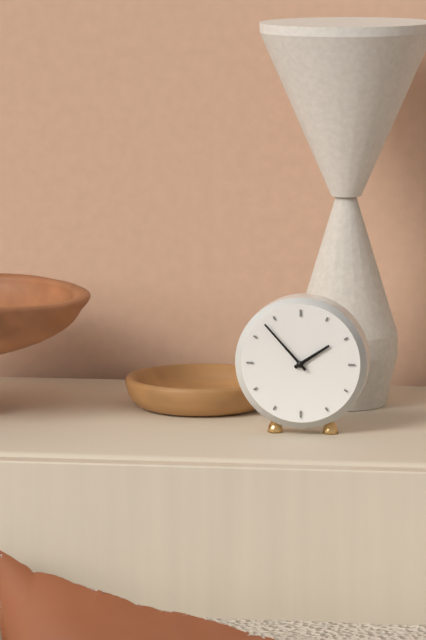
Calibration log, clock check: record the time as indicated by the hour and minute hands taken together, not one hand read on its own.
1:53
